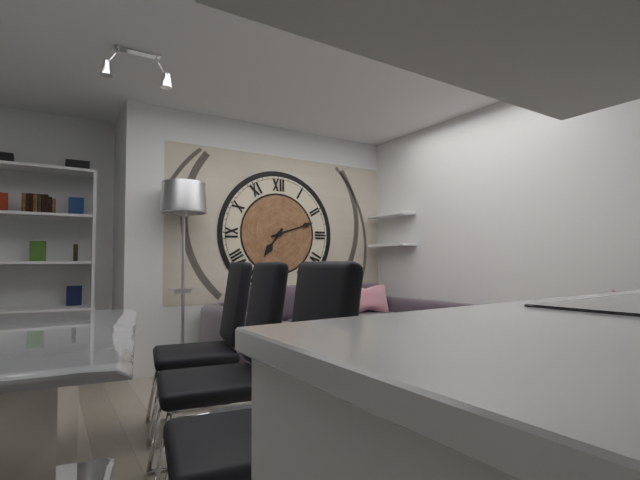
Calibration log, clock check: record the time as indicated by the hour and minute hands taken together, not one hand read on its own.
7:12
